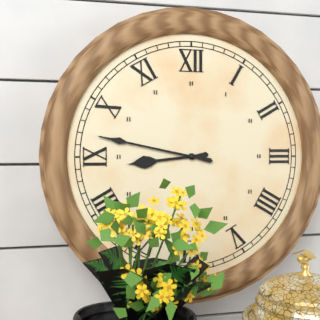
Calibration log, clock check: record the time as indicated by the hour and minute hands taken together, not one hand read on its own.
8:47
